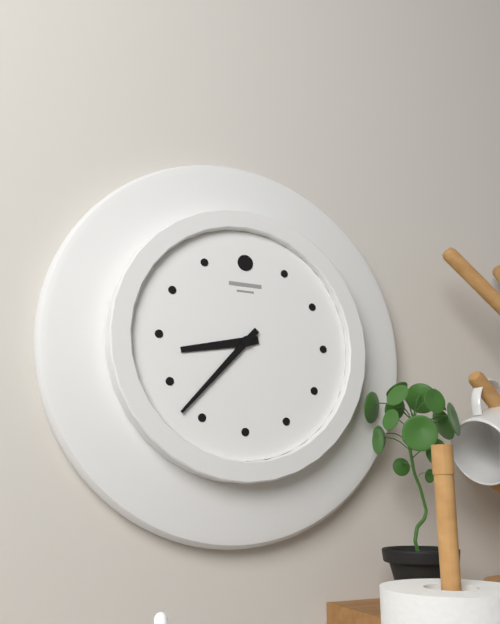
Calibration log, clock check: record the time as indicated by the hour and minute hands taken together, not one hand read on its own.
8:37
